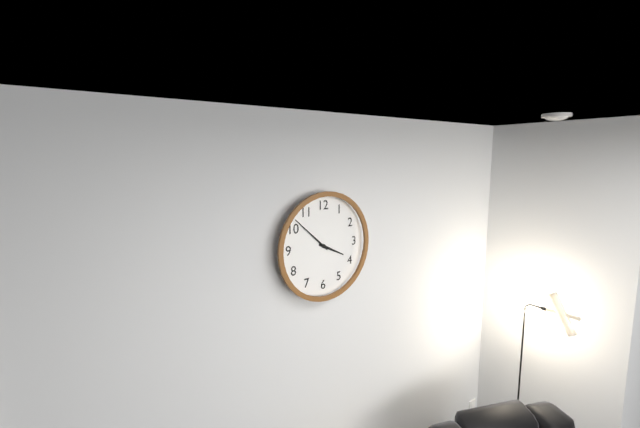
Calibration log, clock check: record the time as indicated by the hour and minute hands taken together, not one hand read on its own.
3:52
